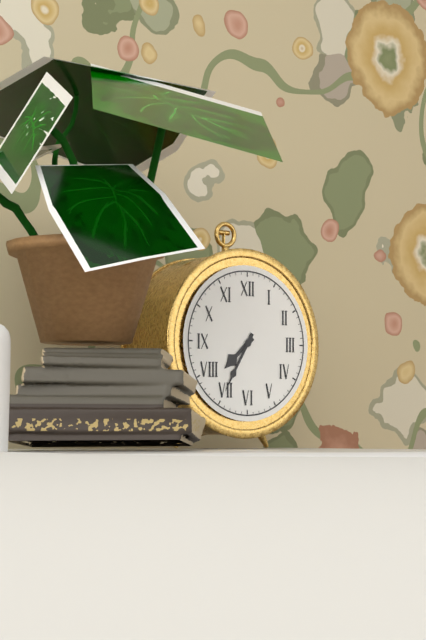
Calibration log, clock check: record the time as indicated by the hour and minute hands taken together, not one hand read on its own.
7:35
